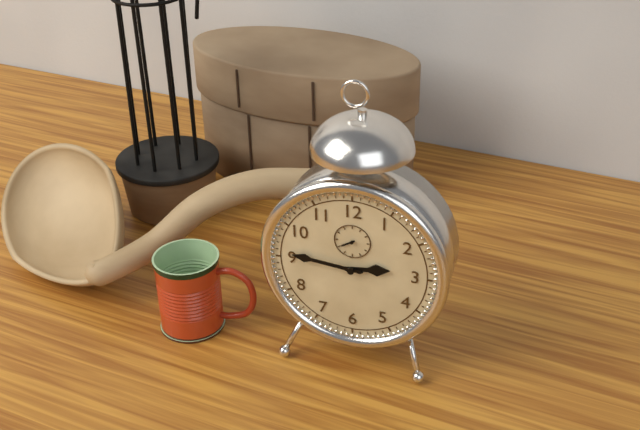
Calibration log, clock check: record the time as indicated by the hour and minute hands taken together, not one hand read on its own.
2:46
